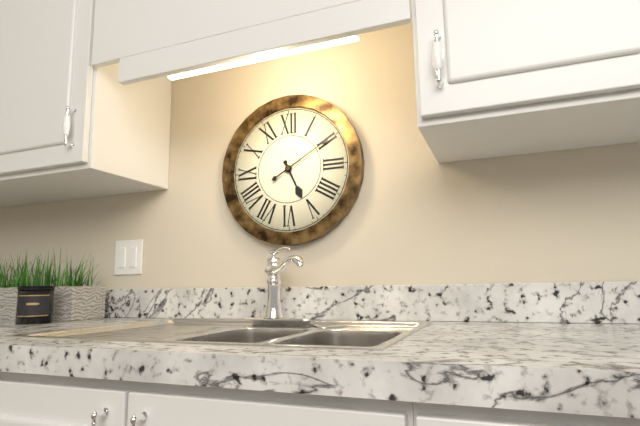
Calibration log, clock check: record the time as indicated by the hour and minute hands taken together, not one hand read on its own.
5:10
